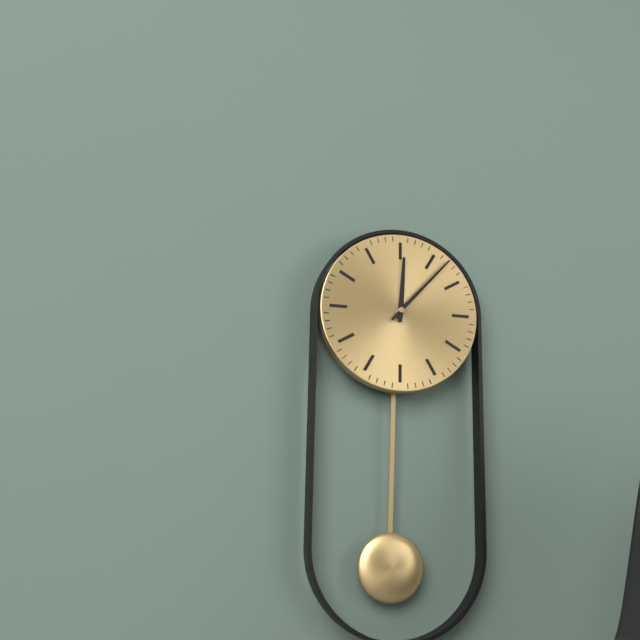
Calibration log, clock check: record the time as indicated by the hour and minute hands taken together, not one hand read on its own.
12:07
